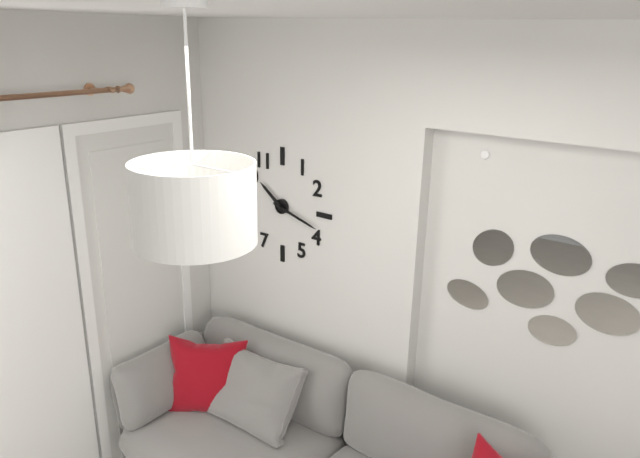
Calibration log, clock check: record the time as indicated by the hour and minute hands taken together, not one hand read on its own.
10:18
